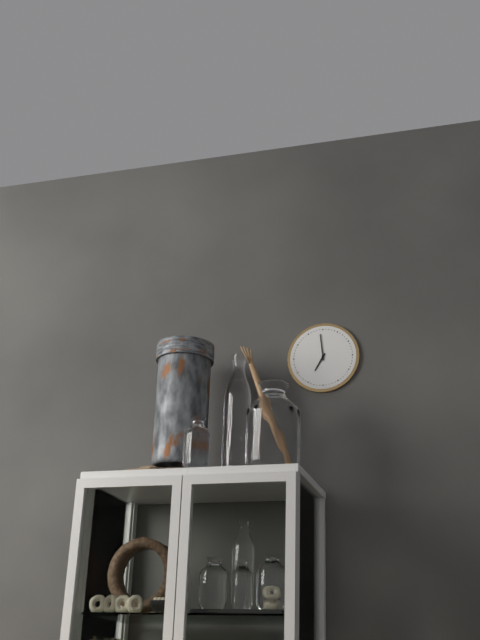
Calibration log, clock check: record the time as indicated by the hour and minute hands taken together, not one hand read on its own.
6:59
